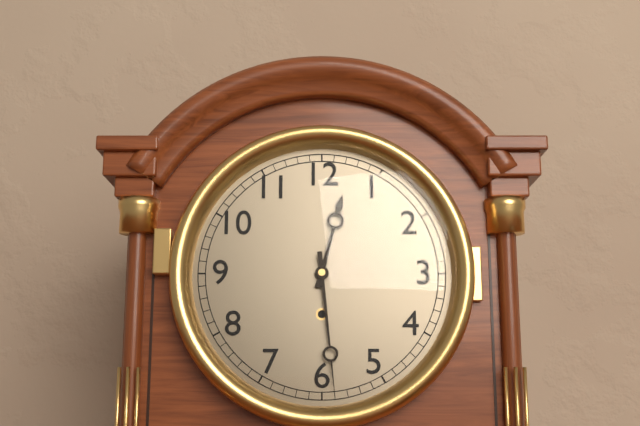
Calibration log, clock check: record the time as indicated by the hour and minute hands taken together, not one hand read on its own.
12:29
